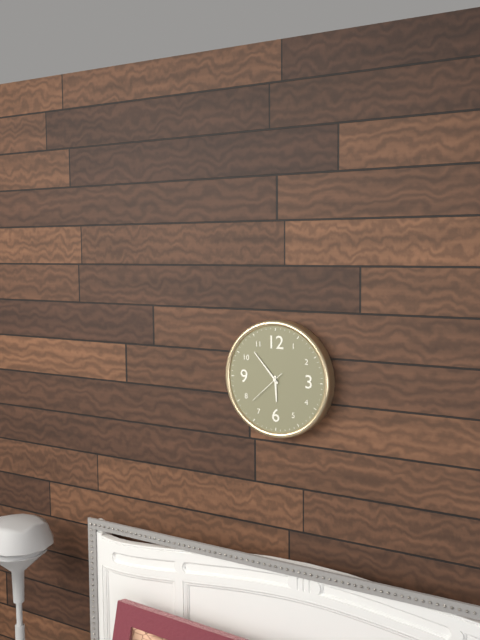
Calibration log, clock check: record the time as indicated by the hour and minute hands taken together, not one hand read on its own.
5:53
